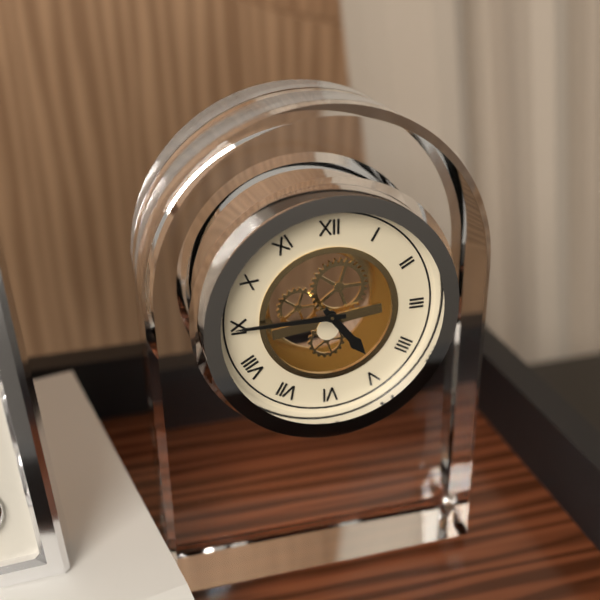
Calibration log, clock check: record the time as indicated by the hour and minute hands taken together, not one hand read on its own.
4:45
